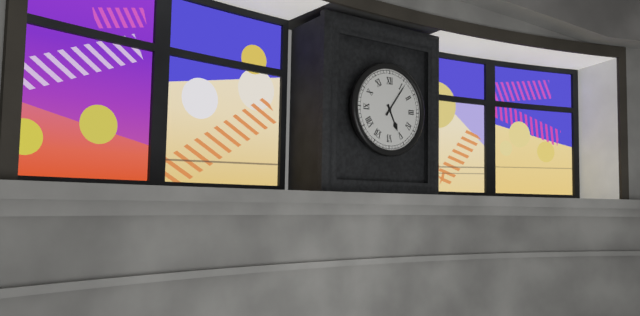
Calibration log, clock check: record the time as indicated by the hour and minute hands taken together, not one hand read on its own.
5:06
